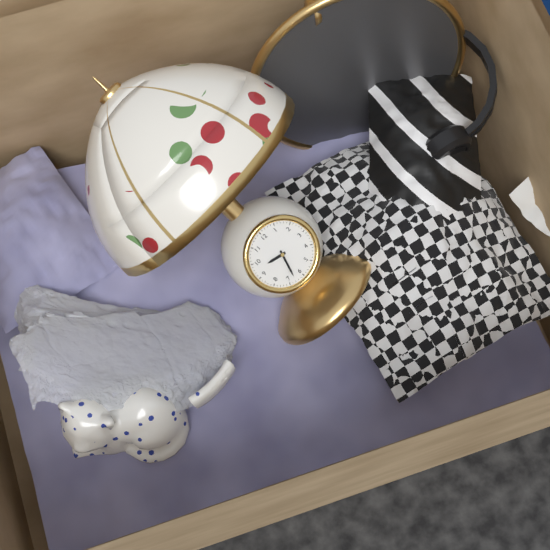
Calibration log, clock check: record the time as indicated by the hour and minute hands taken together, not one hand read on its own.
9:33
